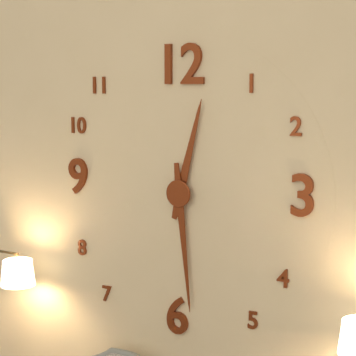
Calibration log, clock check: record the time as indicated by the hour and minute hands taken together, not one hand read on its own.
12:29
